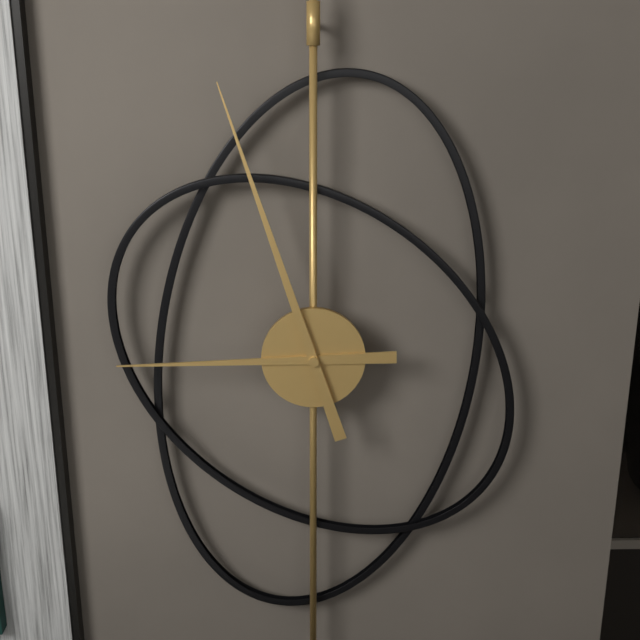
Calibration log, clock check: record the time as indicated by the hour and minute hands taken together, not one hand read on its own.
8:57
